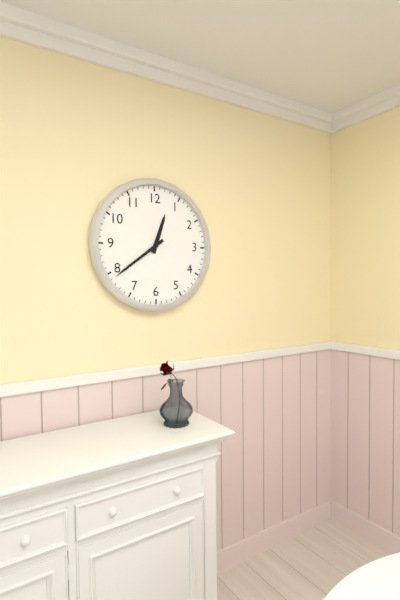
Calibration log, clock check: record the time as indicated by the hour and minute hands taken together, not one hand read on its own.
12:39
